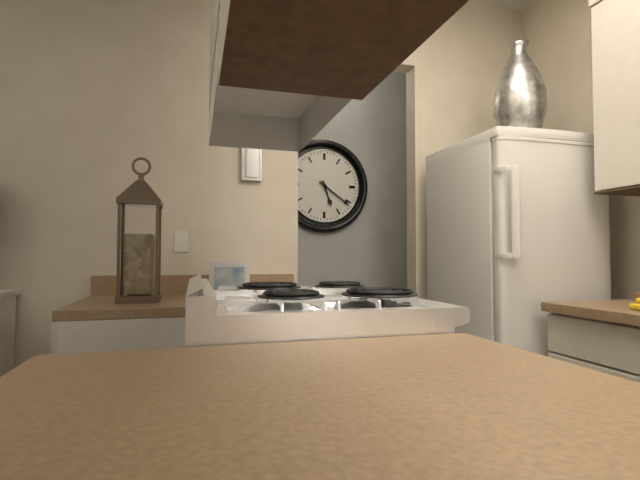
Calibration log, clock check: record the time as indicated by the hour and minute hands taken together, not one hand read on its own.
5:21
